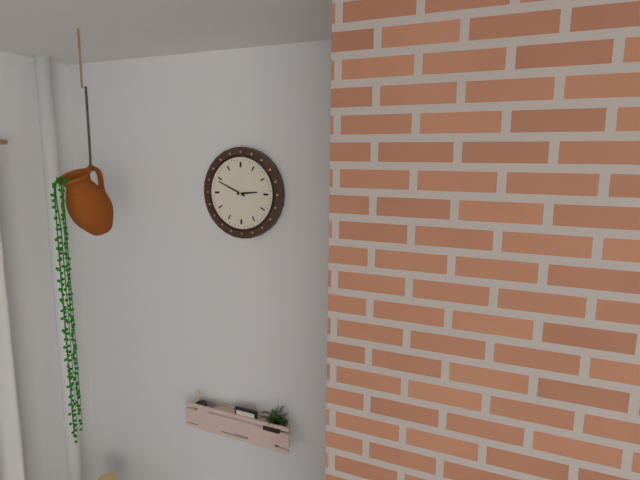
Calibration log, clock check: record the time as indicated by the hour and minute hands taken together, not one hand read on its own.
2:49
